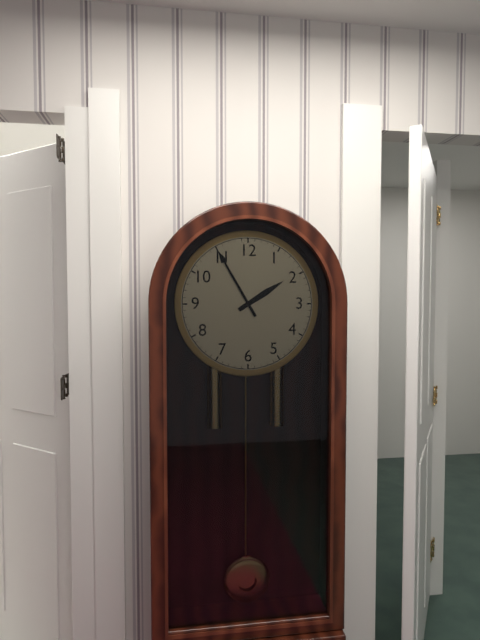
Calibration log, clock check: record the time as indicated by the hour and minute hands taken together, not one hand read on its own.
1:55
